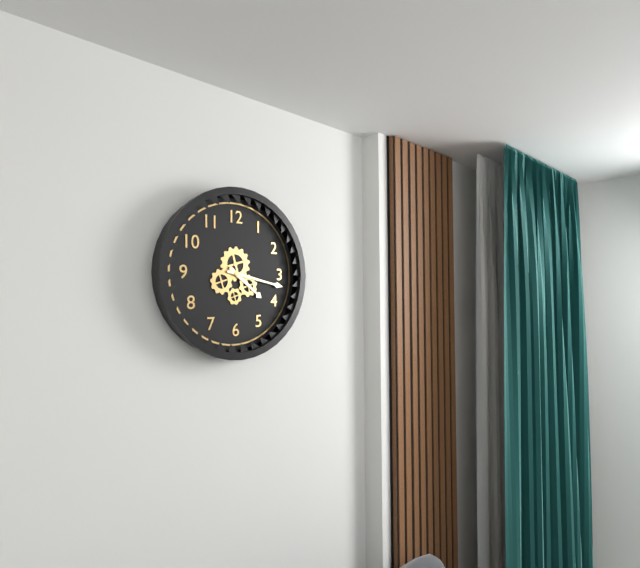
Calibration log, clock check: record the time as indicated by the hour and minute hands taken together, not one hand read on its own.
4:17
